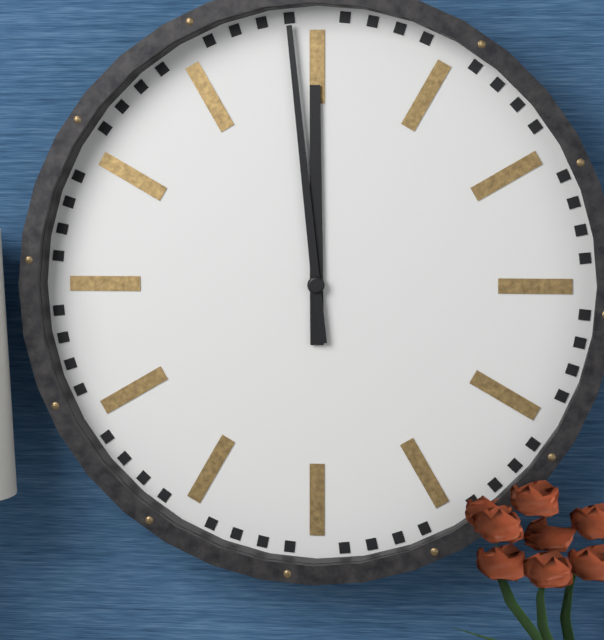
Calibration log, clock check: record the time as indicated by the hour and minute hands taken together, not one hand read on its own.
11:59
